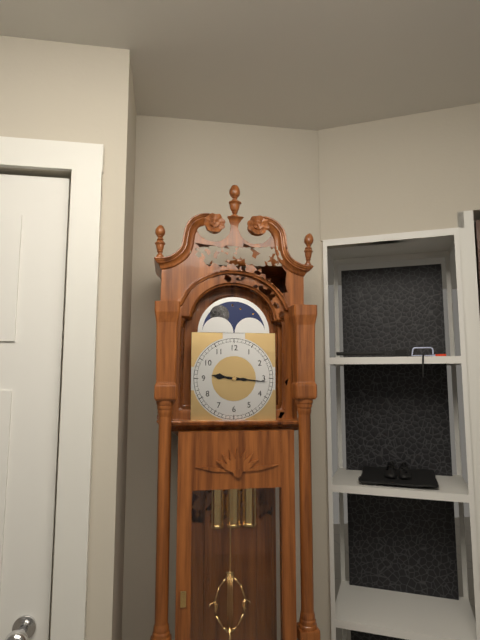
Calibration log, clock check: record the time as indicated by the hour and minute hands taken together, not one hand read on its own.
9:16
